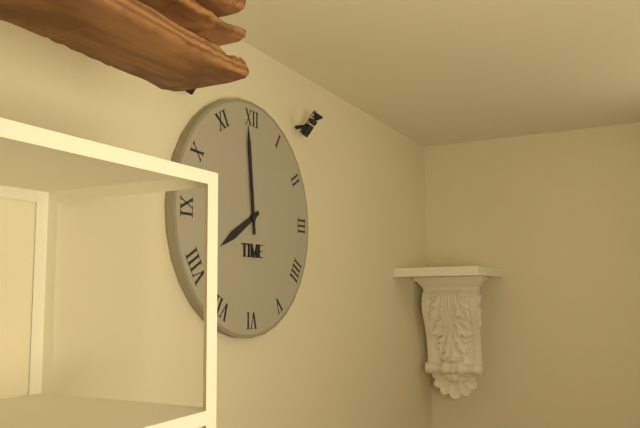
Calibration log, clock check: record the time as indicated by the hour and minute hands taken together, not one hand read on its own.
7:59
